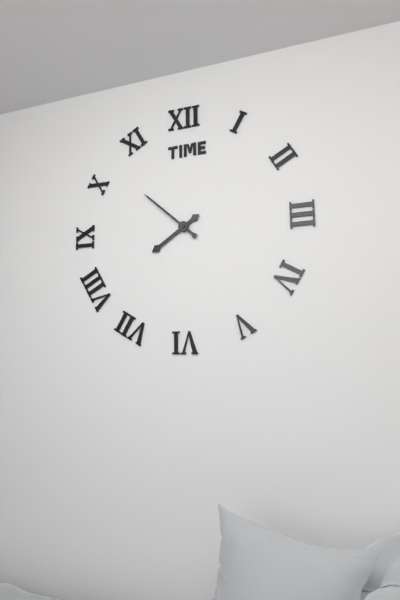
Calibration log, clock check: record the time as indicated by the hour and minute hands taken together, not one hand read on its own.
7:52
